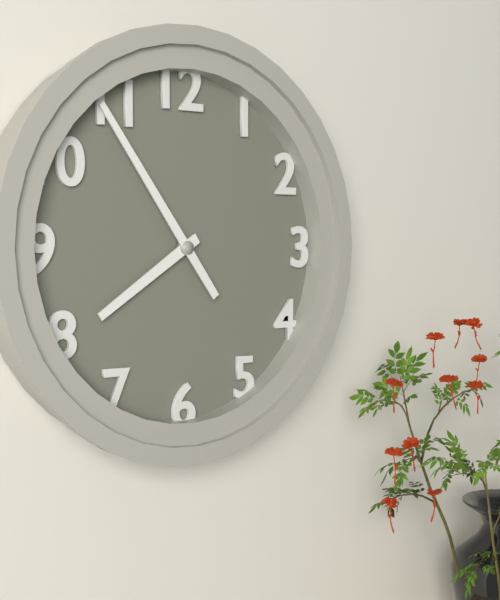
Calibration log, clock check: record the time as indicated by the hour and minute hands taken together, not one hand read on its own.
7:54
